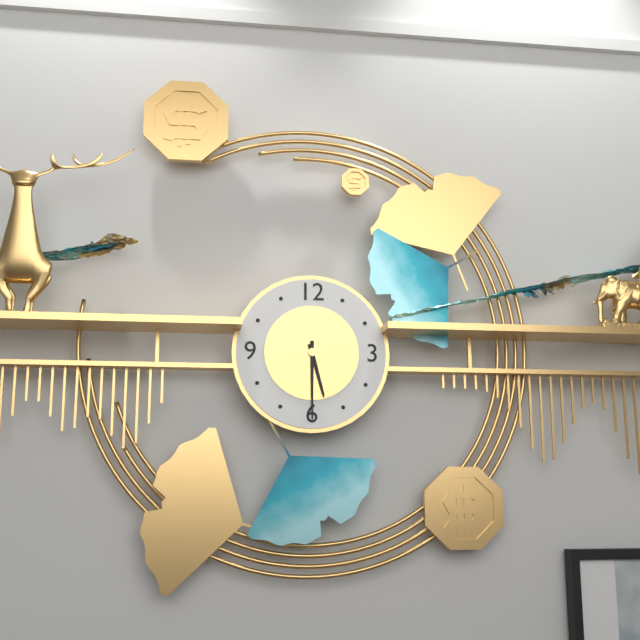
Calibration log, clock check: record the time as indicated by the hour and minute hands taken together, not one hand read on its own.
5:30
